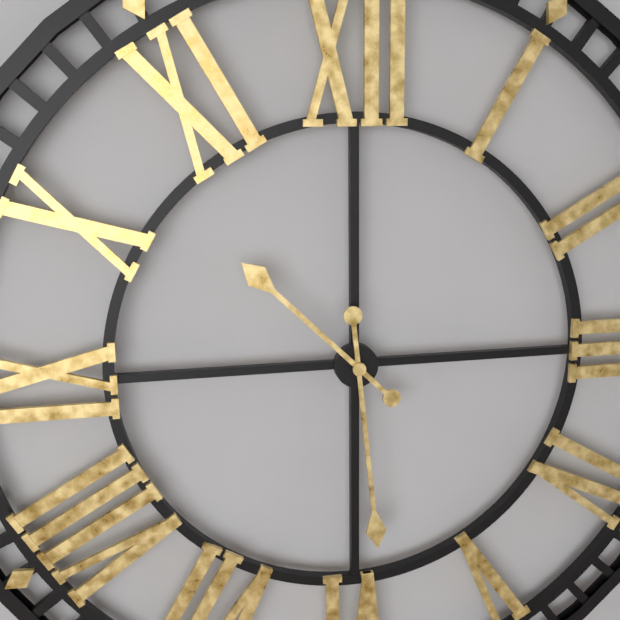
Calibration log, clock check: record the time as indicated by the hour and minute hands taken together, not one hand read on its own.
10:29
